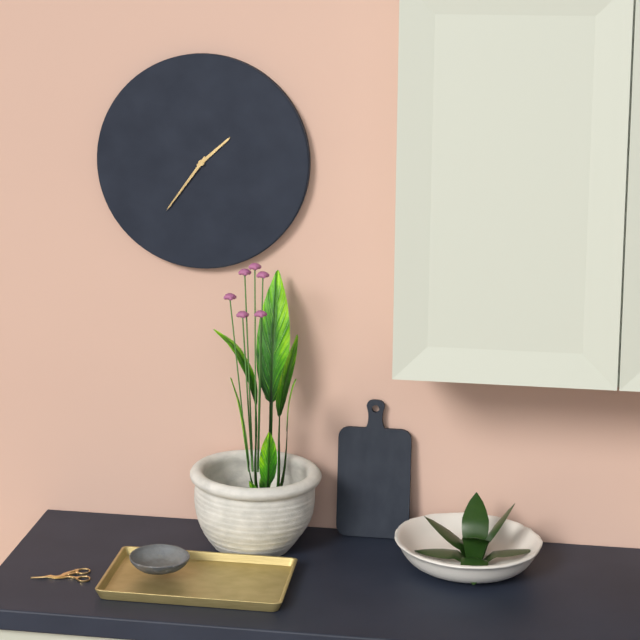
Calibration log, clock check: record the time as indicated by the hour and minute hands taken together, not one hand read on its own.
1:36
